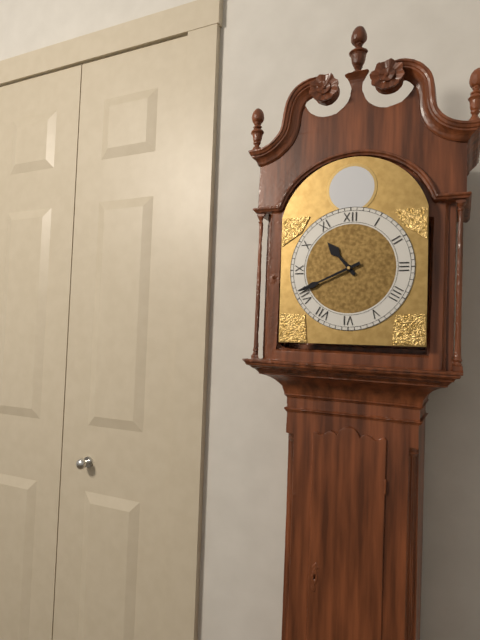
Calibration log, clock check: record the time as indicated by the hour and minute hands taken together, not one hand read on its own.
10:41
